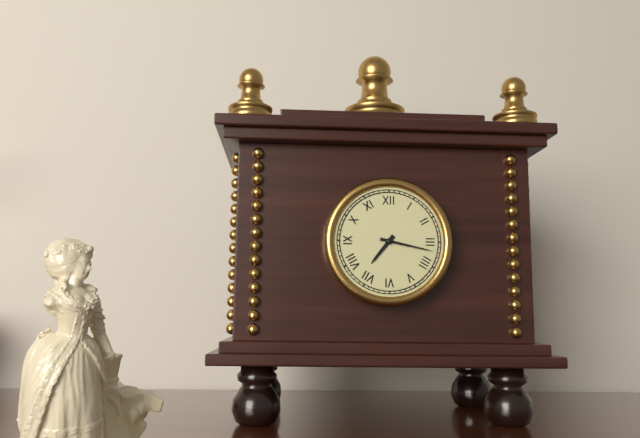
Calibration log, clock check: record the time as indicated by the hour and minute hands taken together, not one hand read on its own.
7:17
